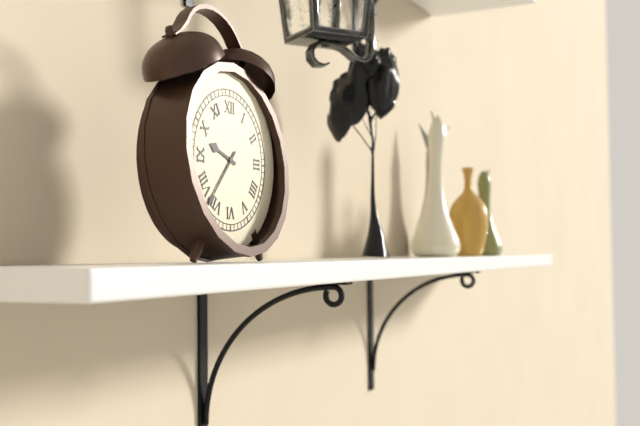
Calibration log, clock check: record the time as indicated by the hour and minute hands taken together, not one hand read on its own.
9:37
